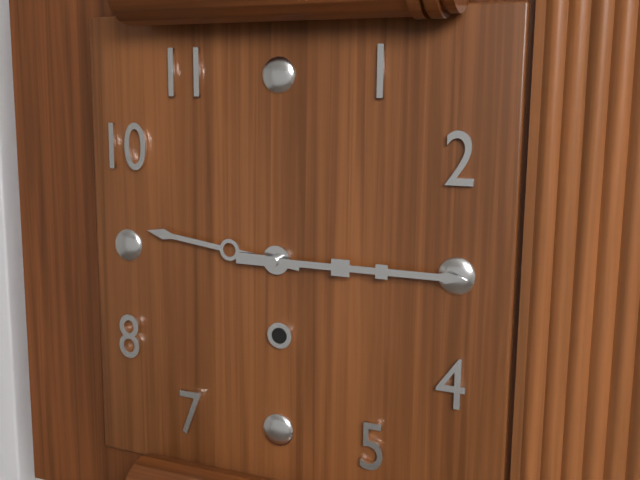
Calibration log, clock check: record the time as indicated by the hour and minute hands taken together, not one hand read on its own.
9:15
